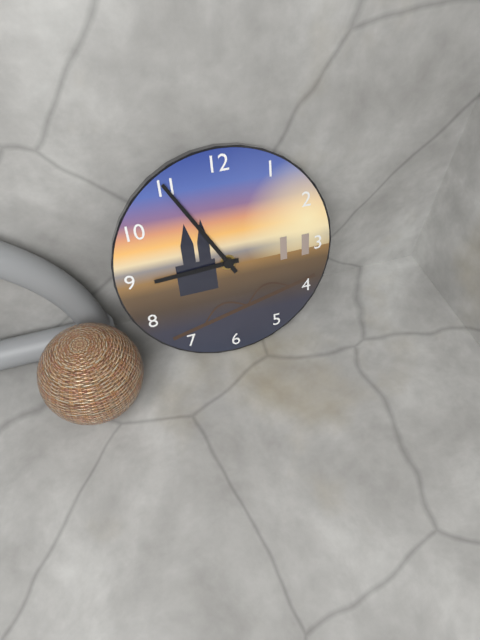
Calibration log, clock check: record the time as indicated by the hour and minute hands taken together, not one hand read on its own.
8:55
